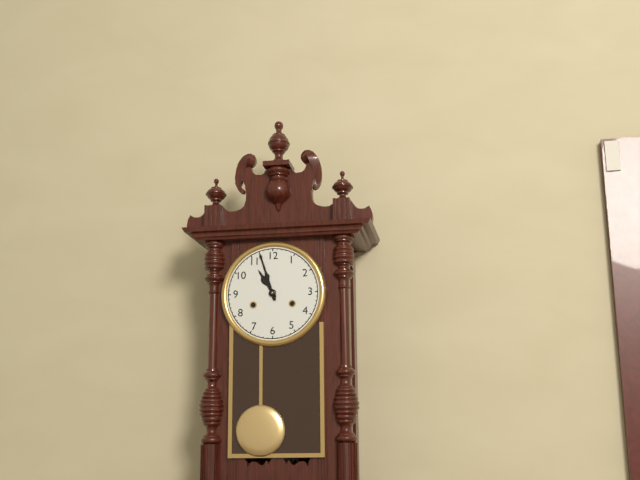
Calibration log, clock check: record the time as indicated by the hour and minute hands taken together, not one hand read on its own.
10:57
